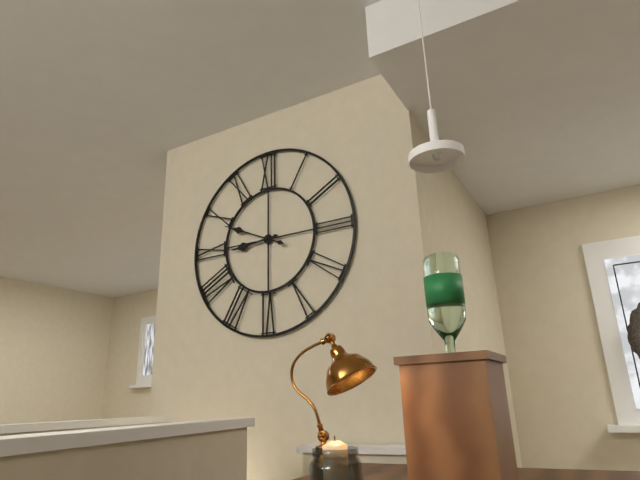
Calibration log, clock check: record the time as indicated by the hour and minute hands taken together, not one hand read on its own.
8:49
